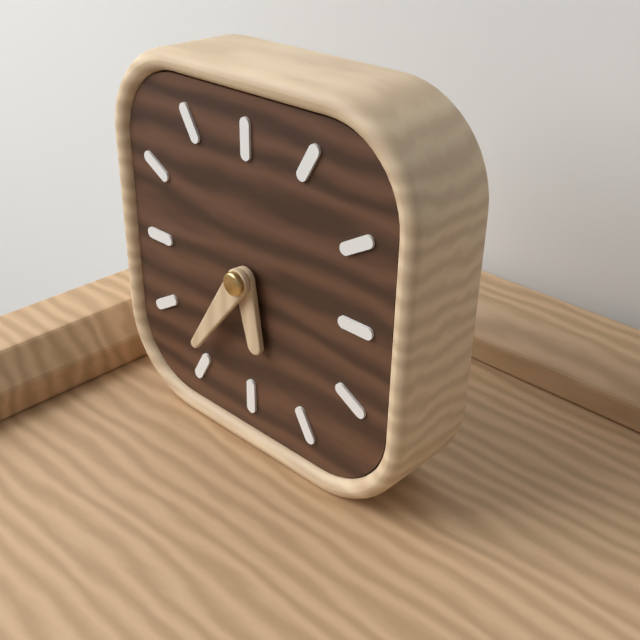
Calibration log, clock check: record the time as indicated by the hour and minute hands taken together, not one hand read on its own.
5:36
